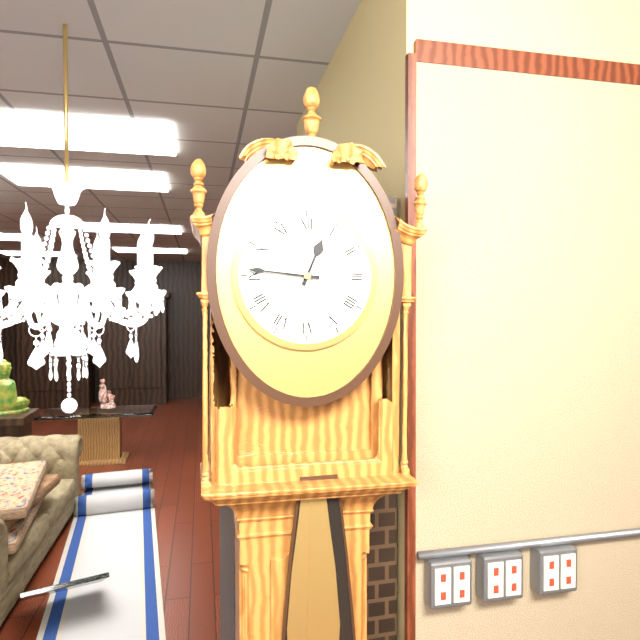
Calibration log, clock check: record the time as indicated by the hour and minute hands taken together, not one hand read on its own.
12:46
